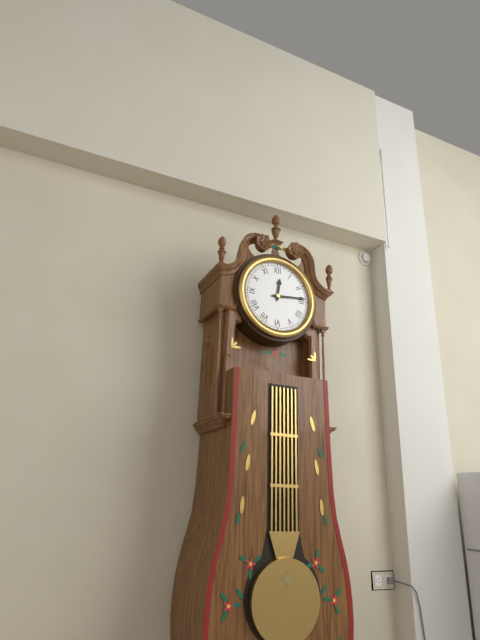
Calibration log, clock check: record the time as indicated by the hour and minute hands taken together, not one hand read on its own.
12:14
